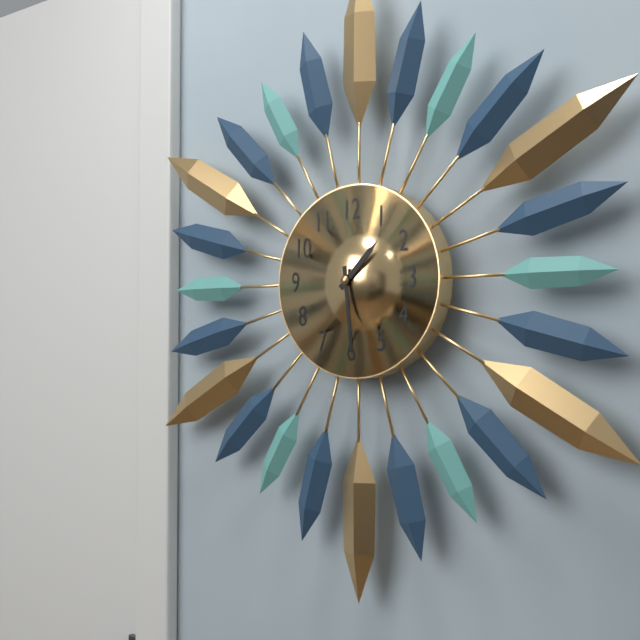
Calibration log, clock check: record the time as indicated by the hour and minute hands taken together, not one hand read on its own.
1:29
